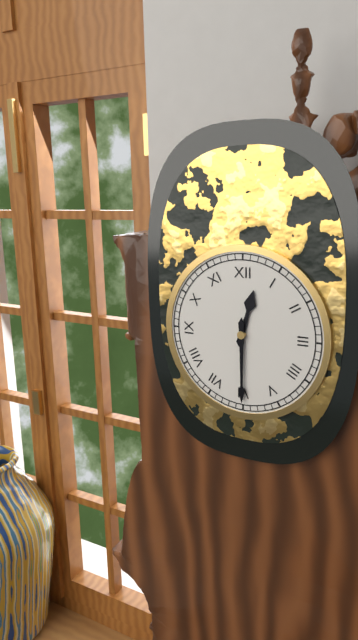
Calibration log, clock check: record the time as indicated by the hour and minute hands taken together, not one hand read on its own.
12:30
